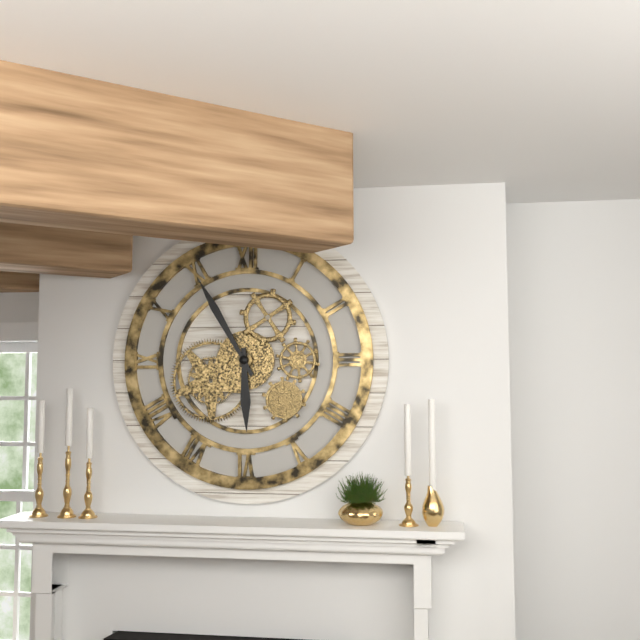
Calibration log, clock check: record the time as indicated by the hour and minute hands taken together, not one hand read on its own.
5:55
